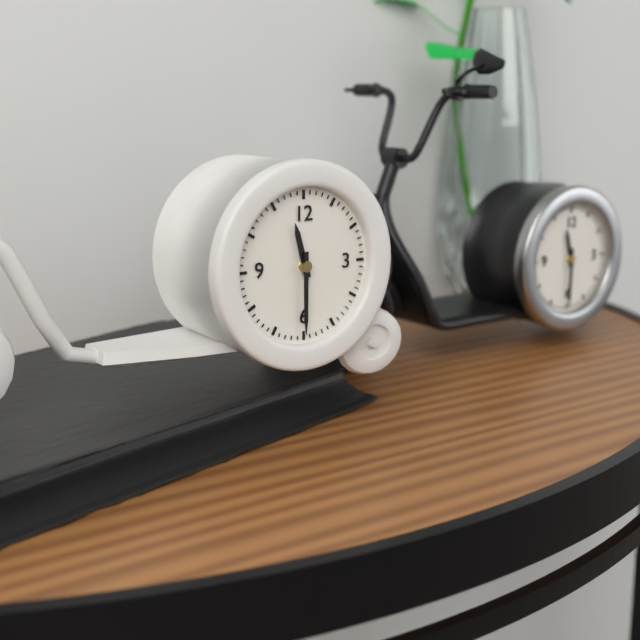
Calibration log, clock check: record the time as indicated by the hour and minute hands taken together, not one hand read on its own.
11:30
